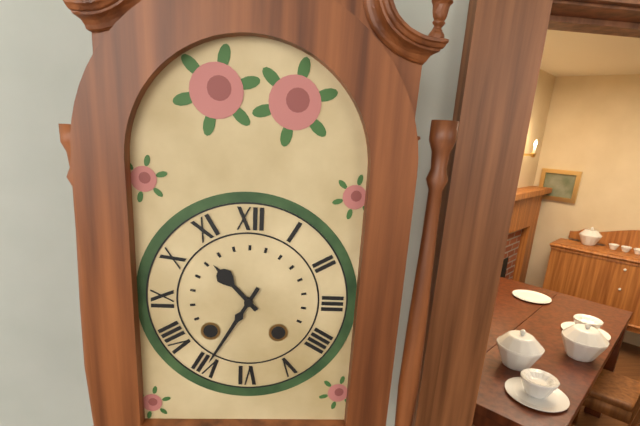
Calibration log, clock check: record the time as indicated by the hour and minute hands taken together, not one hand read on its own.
10:35
